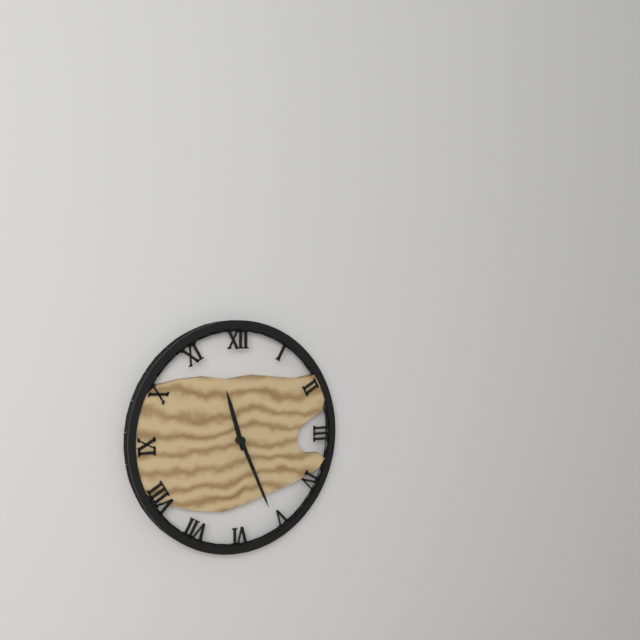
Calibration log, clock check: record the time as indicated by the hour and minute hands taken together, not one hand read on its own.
11:26
